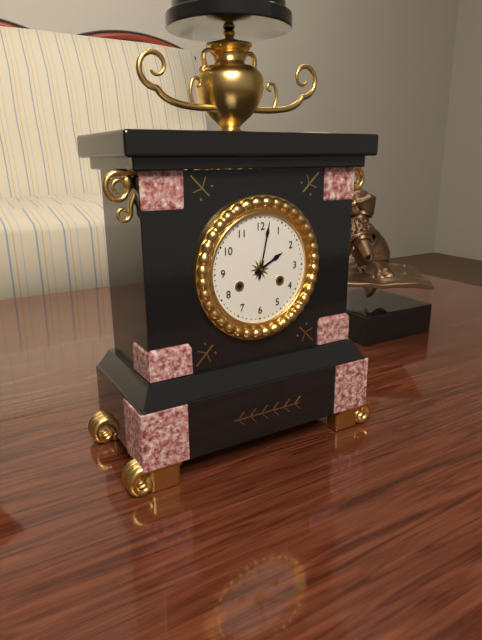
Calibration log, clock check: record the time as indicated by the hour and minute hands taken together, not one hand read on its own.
2:02
